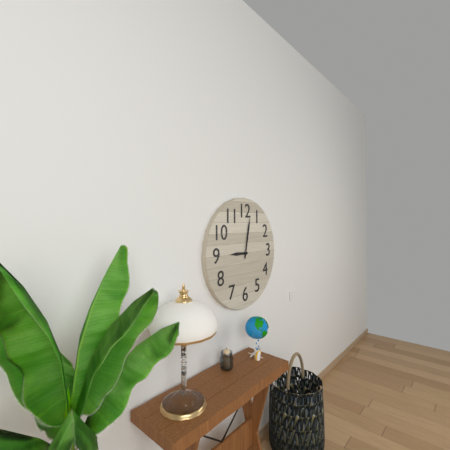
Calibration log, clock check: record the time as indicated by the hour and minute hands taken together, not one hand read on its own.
9:02
